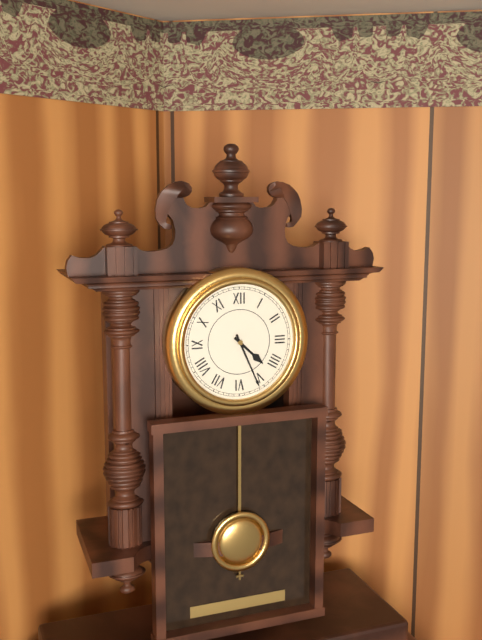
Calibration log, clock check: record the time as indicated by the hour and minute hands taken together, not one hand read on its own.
4:26
